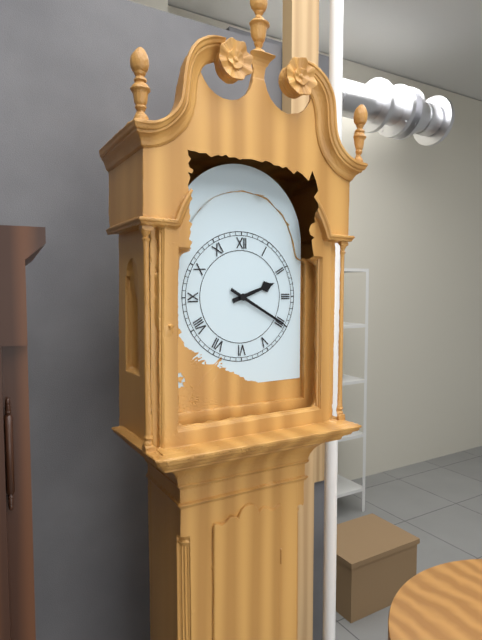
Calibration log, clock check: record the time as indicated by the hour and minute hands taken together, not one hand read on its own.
2:20
